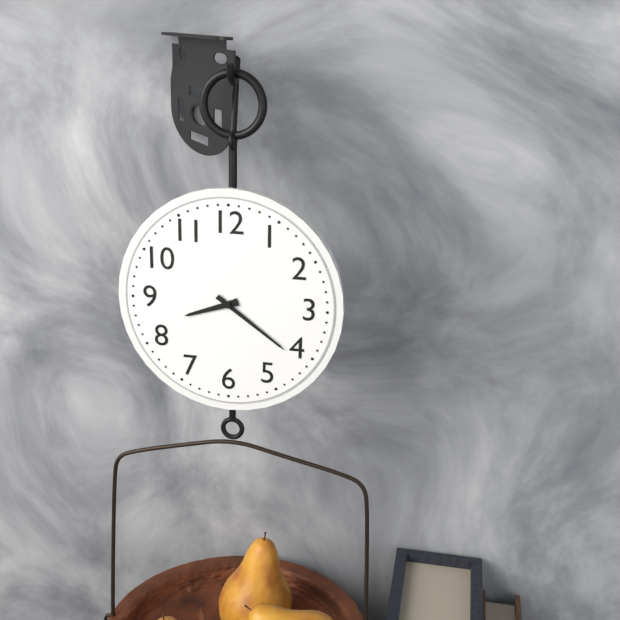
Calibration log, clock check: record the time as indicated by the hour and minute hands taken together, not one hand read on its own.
8:21
